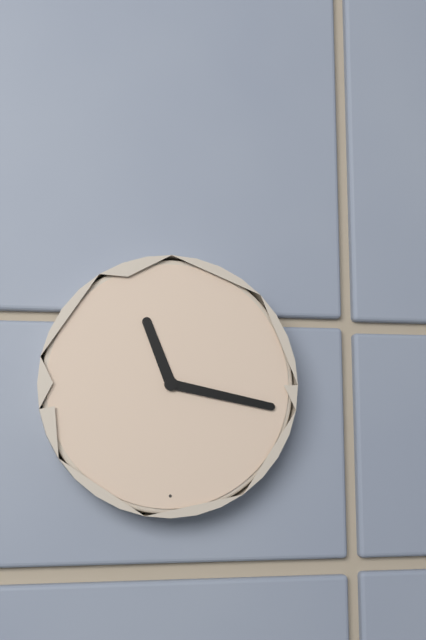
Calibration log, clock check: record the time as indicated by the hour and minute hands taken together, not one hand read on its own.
11:17
